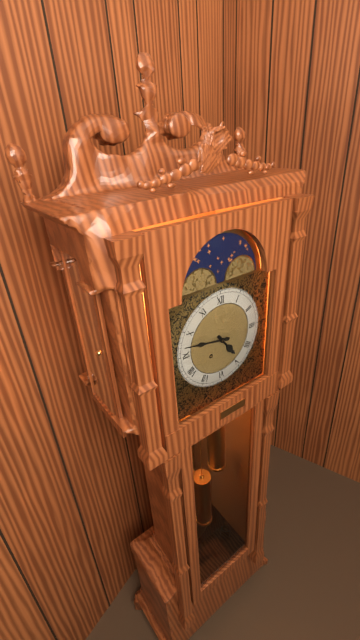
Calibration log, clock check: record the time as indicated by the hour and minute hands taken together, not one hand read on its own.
4:47
